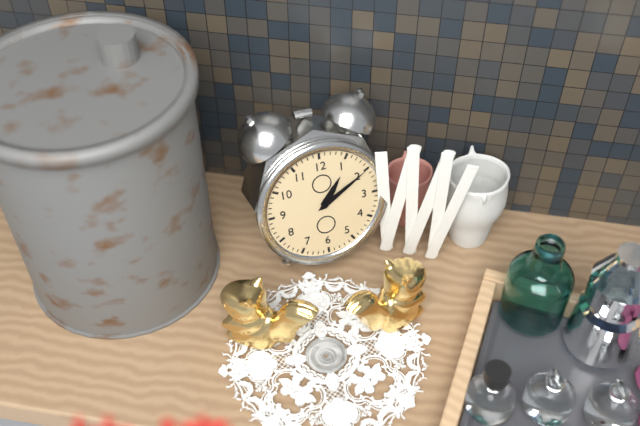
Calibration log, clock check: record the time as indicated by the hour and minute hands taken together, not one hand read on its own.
1:10
